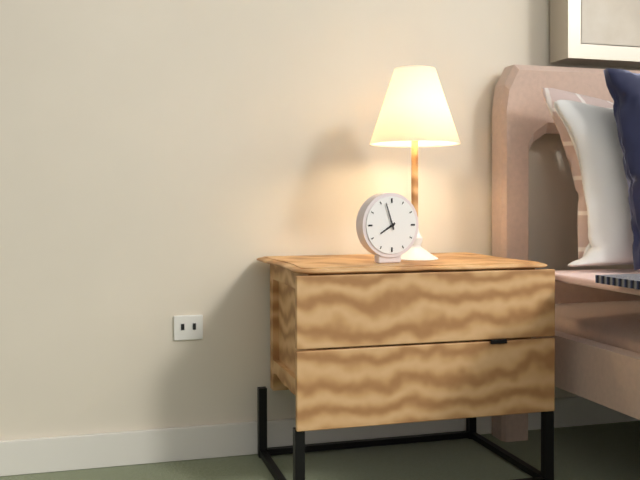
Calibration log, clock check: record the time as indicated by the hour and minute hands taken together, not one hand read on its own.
7:57
